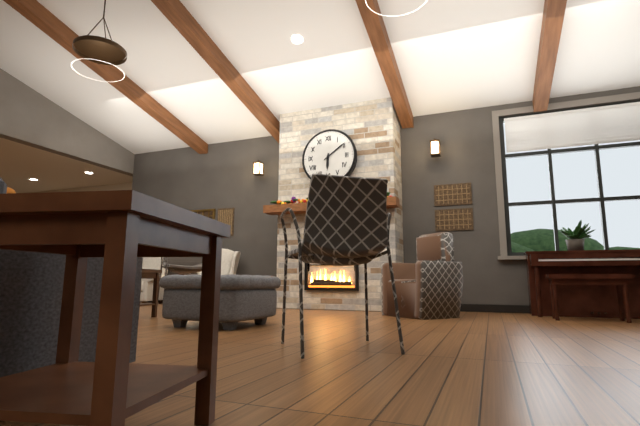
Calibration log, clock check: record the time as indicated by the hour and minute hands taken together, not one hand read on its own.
6:09
